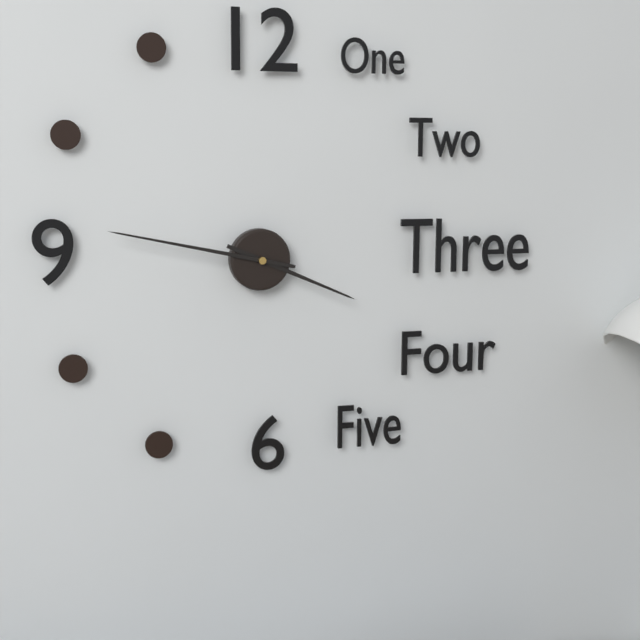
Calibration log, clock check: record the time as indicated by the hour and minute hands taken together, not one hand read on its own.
3:47
